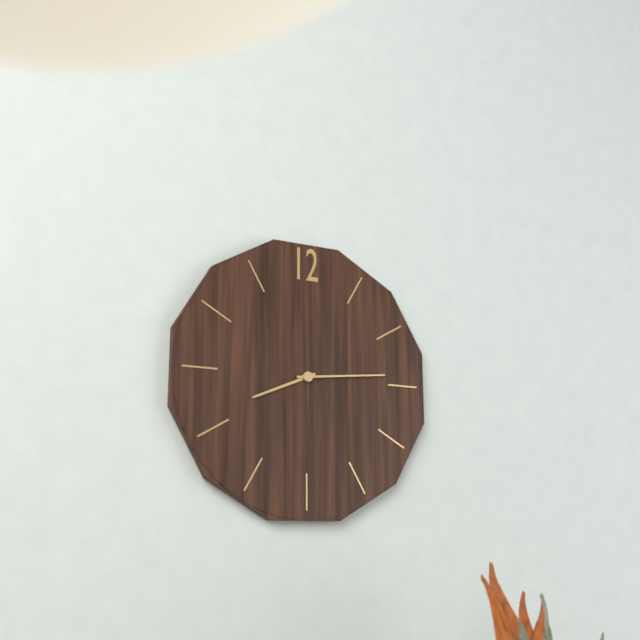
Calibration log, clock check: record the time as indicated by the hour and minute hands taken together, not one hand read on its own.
8:14
